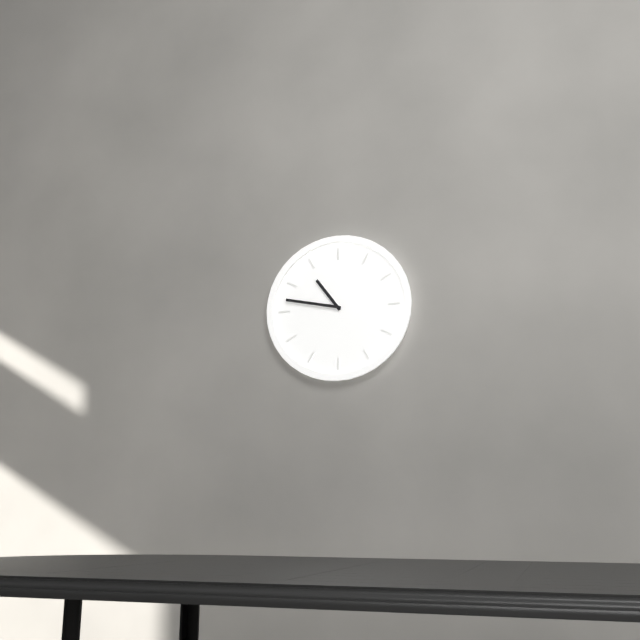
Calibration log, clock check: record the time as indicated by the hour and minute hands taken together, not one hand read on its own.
10:47
